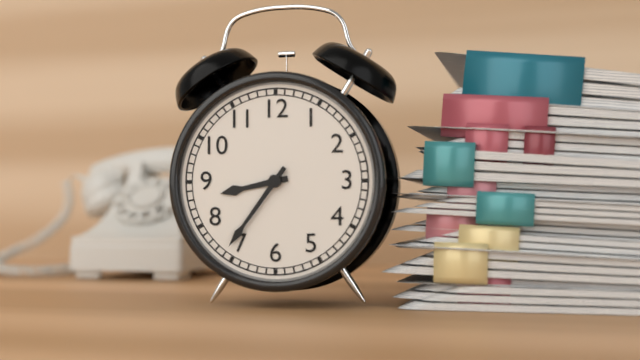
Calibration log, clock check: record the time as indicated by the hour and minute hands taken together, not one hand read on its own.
8:36
